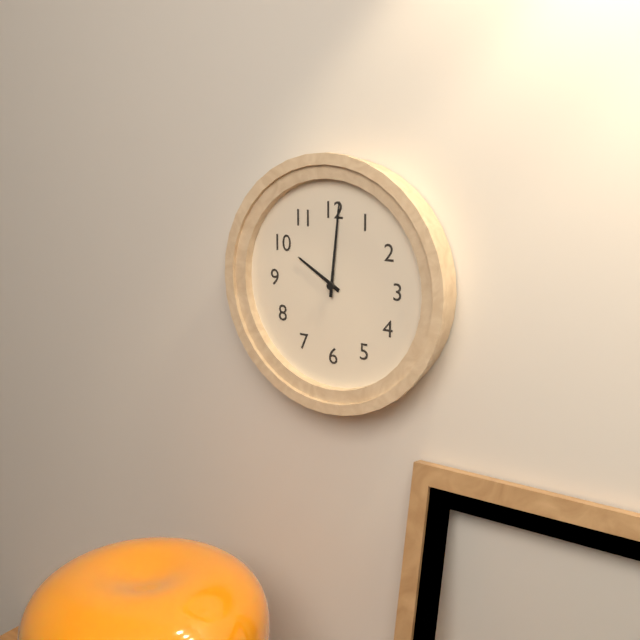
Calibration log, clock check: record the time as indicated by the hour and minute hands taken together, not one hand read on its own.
10:01
